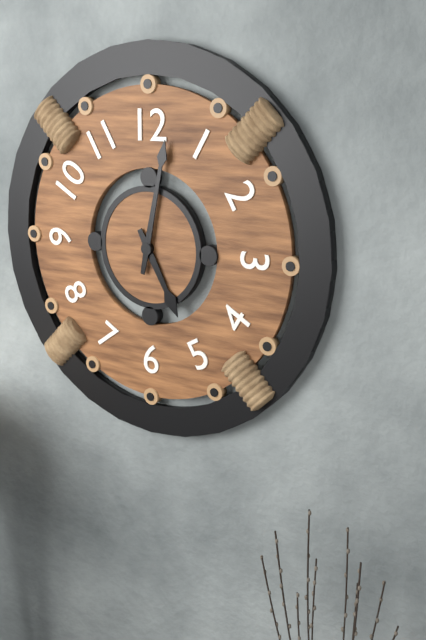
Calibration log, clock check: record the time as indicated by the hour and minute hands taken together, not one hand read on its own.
5:02
